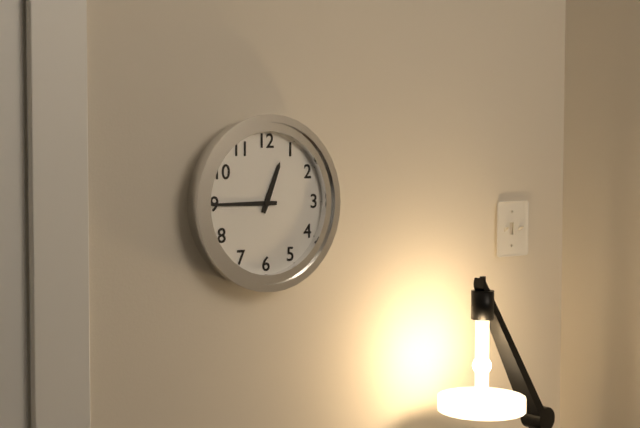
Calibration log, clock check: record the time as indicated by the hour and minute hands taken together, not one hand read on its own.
12:45
